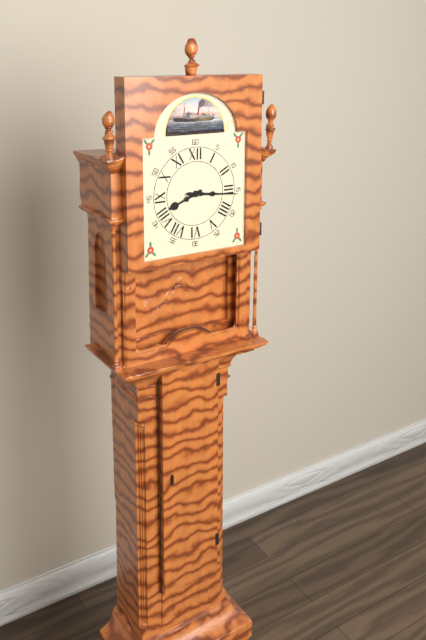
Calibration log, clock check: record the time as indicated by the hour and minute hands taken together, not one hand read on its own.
8:16
